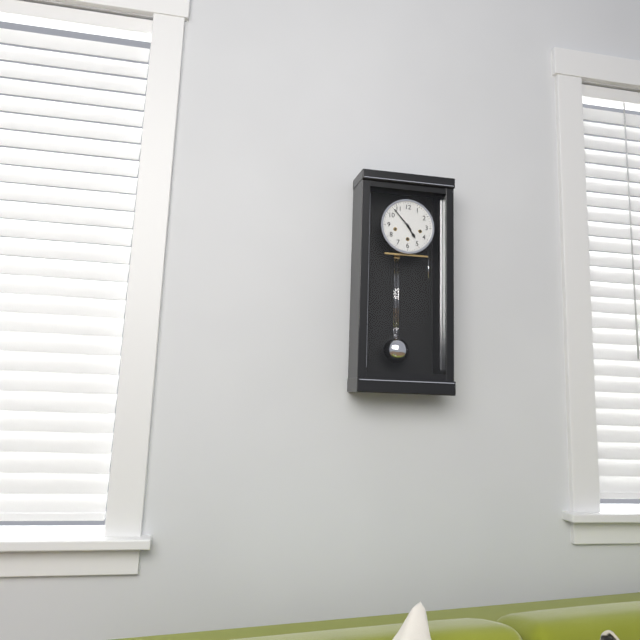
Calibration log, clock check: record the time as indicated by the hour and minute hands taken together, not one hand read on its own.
4:53
